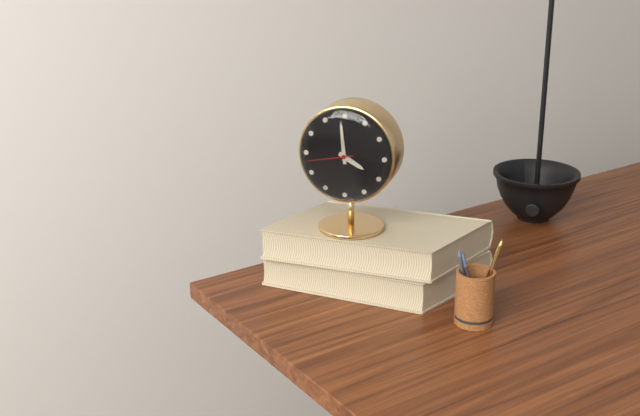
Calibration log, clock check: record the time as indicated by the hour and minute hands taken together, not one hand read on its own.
3:59
